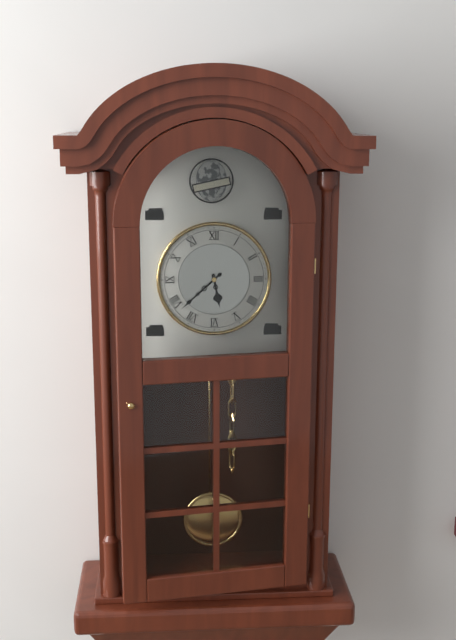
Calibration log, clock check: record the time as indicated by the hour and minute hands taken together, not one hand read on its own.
5:38
